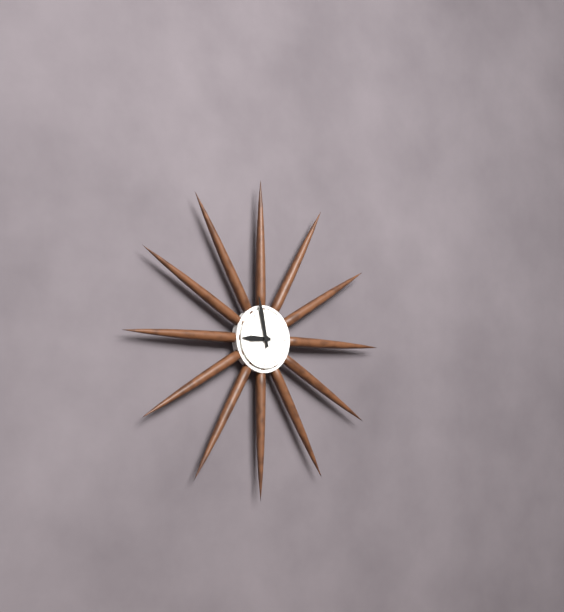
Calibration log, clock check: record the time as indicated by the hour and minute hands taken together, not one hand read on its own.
8:58
